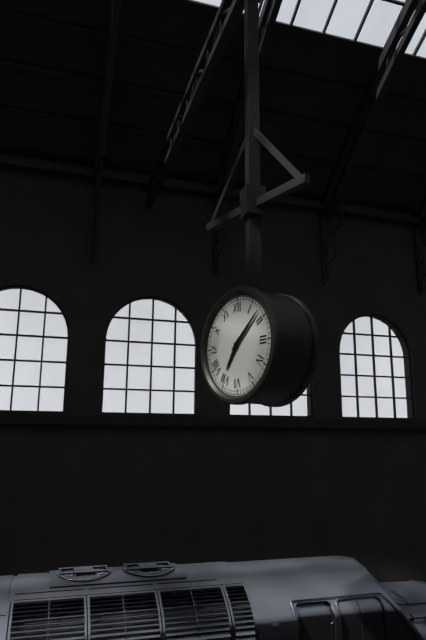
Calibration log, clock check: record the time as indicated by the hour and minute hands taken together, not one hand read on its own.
7:08
